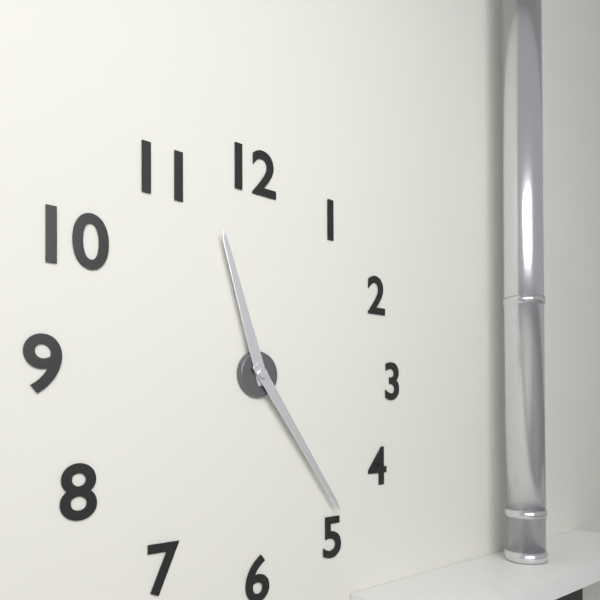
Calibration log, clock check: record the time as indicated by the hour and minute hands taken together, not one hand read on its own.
11:24
